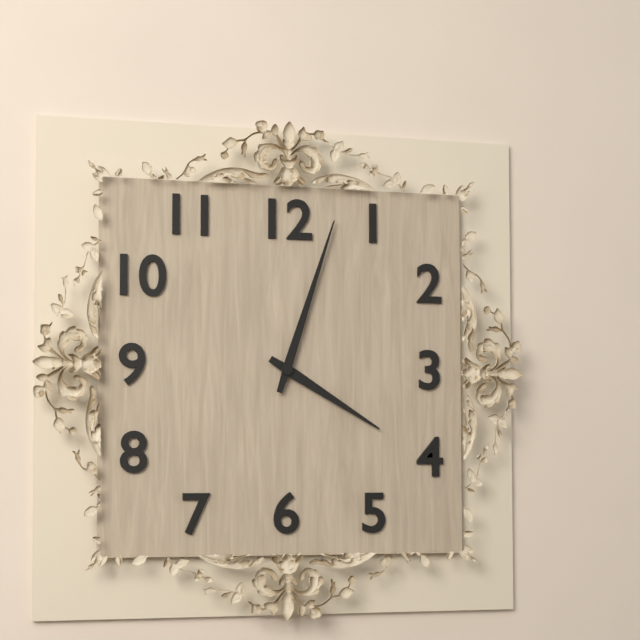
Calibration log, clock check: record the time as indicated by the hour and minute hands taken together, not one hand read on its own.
4:03
